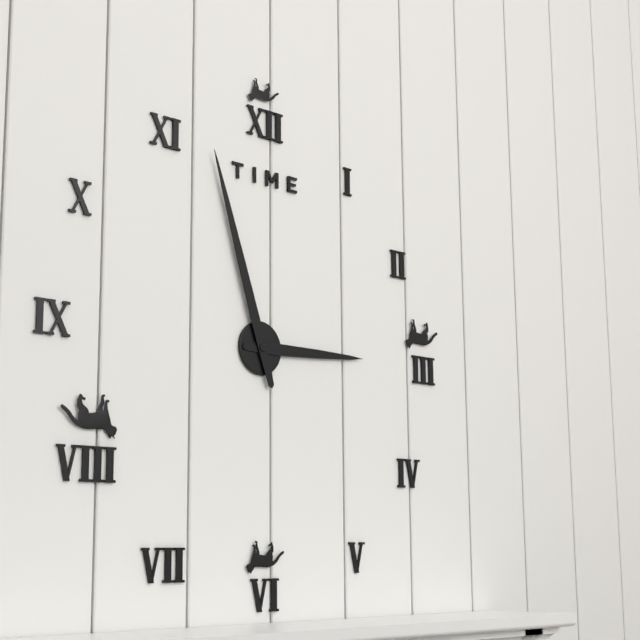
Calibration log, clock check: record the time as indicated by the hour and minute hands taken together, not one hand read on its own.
2:57
